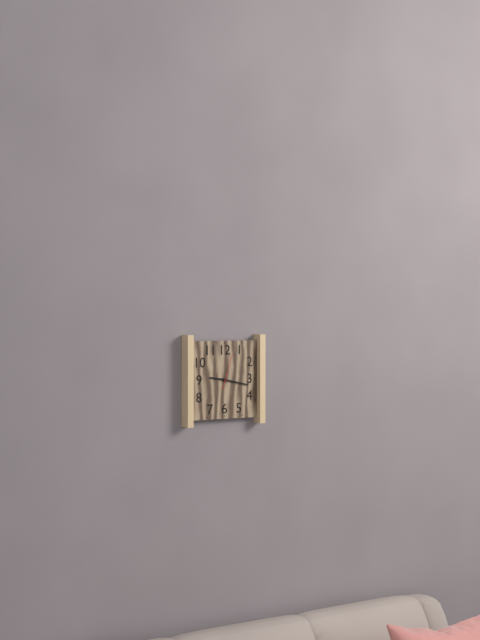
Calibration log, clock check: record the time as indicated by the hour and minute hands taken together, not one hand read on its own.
9:17
